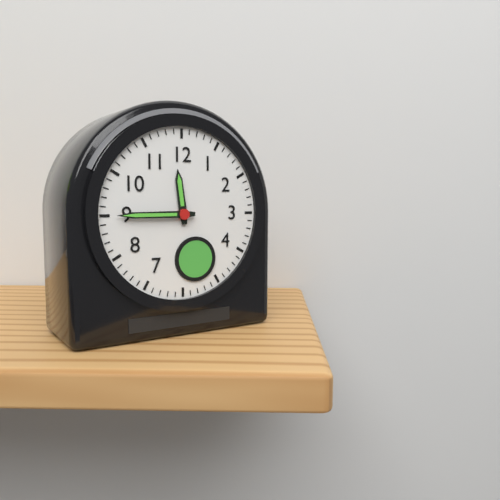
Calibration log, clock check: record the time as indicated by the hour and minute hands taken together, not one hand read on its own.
11:45
